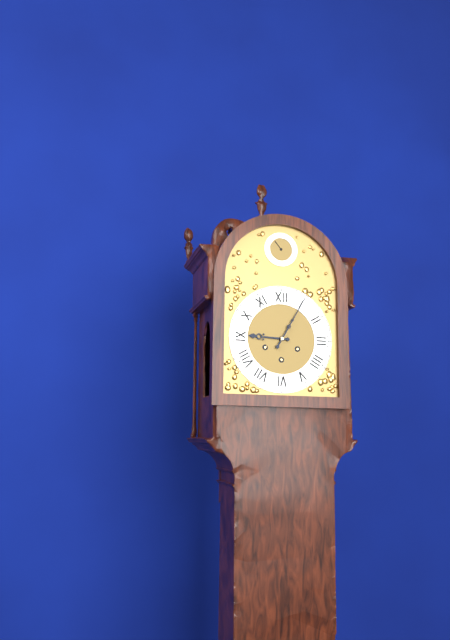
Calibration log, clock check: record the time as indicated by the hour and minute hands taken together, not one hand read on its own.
9:05
